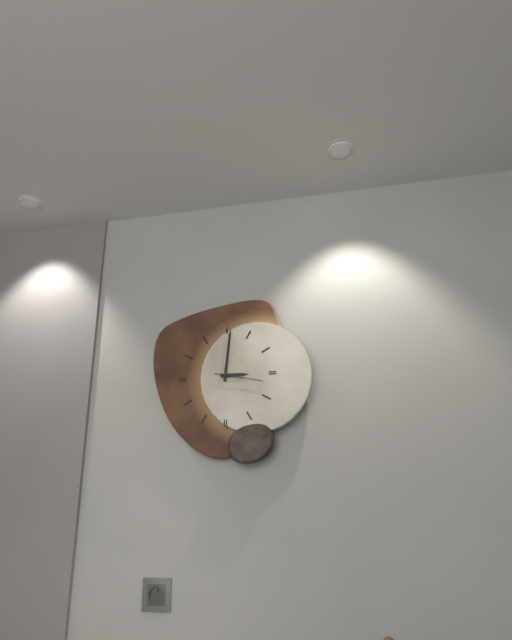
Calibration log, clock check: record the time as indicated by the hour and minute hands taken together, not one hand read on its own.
3:01
